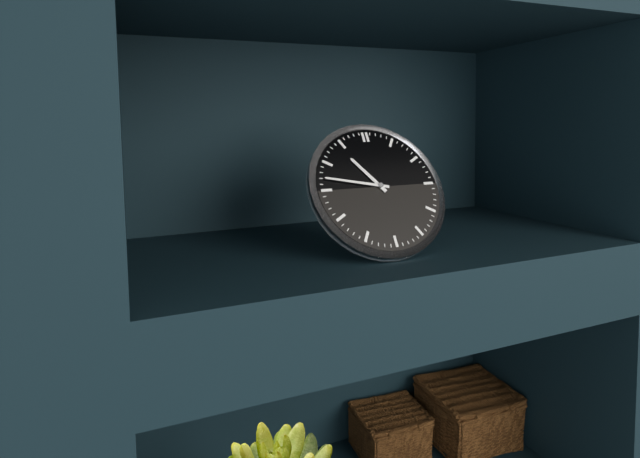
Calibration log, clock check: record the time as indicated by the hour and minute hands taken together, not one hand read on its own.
10:47
